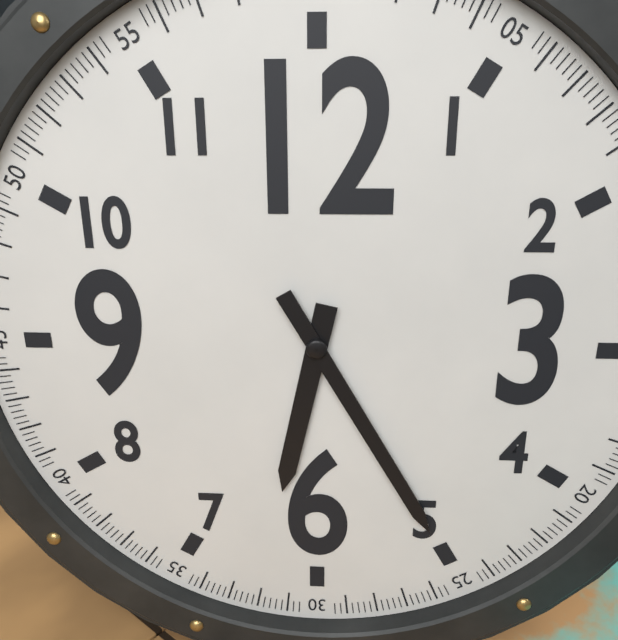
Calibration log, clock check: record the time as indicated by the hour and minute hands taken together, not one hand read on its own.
6:25
